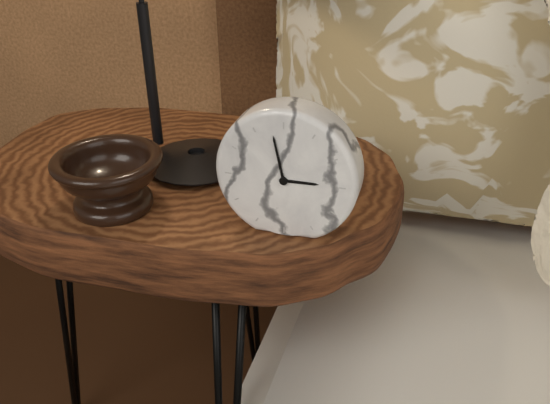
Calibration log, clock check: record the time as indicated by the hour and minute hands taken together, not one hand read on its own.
2:58
